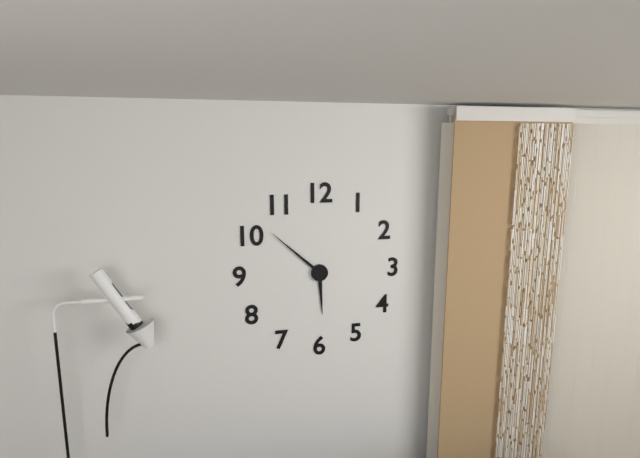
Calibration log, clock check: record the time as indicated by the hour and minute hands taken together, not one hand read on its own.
5:52
